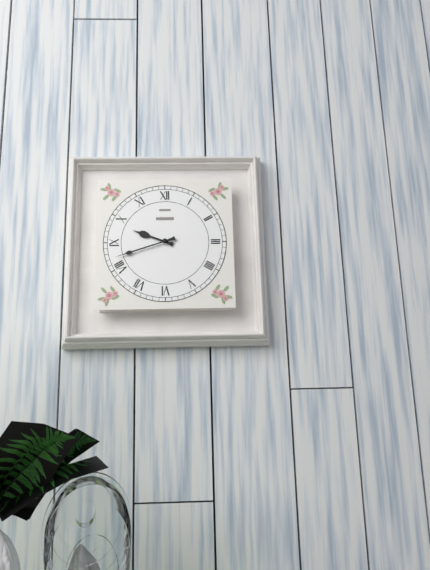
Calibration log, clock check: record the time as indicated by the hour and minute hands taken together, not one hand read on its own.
9:42
